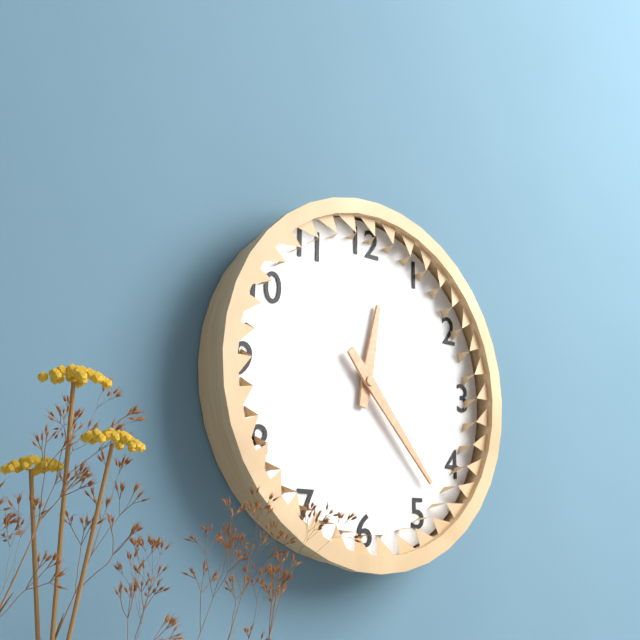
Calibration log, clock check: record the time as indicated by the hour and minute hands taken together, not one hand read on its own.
12:23
